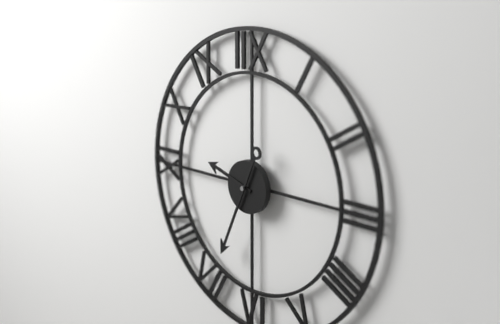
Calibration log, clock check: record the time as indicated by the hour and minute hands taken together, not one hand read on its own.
9:34
